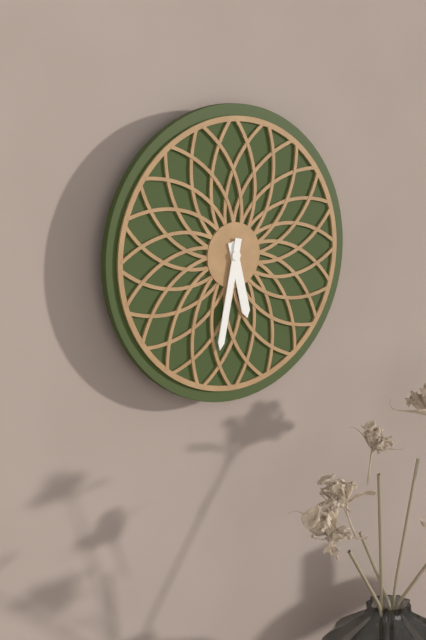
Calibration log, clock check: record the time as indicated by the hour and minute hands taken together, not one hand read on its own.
5:32
